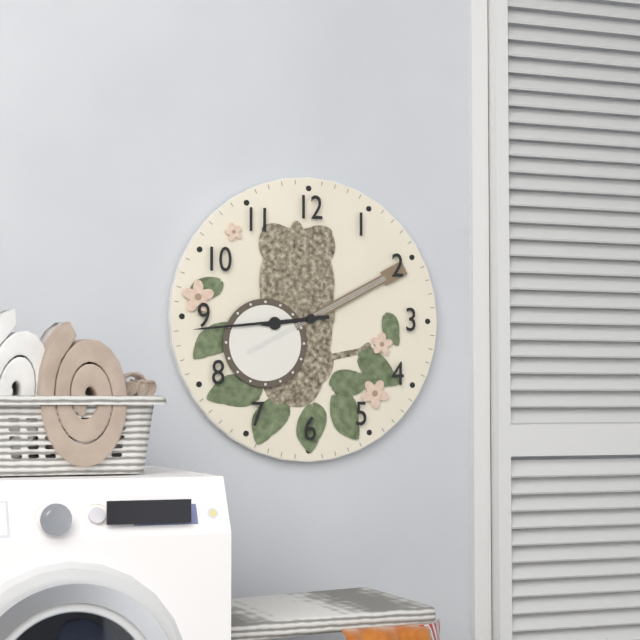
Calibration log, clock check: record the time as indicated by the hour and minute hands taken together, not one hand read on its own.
8:44
